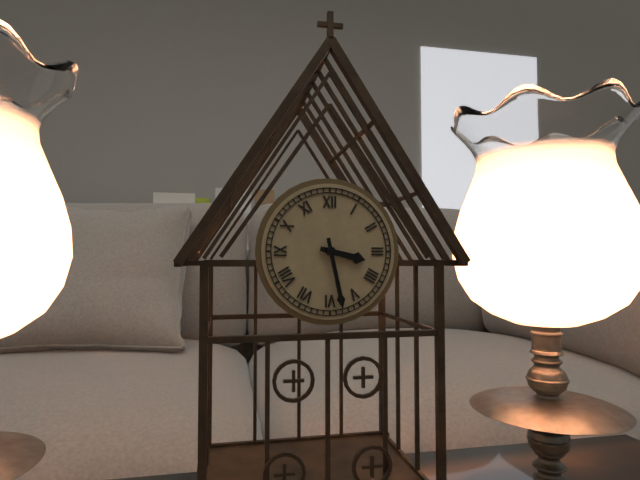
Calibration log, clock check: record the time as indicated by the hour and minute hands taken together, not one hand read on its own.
3:28
